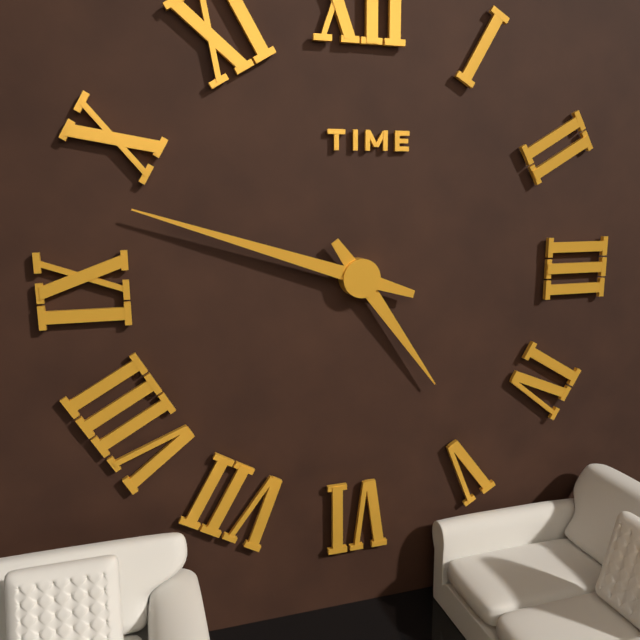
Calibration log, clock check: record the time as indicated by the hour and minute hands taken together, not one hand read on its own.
4:48
